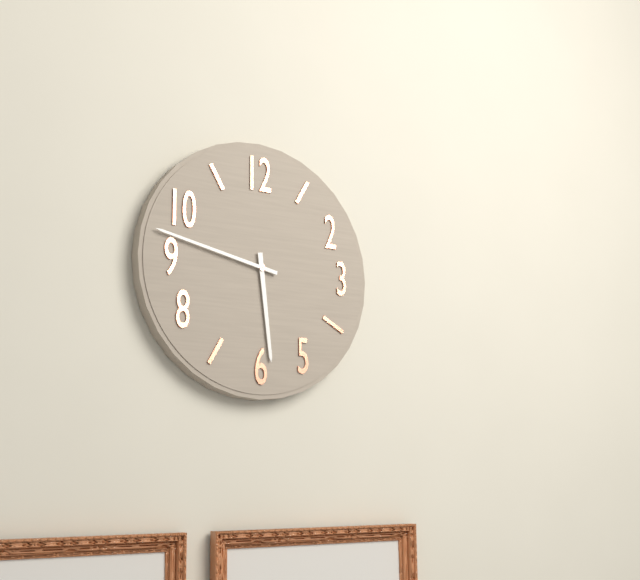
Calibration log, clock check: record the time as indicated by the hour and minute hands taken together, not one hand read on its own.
5:47
